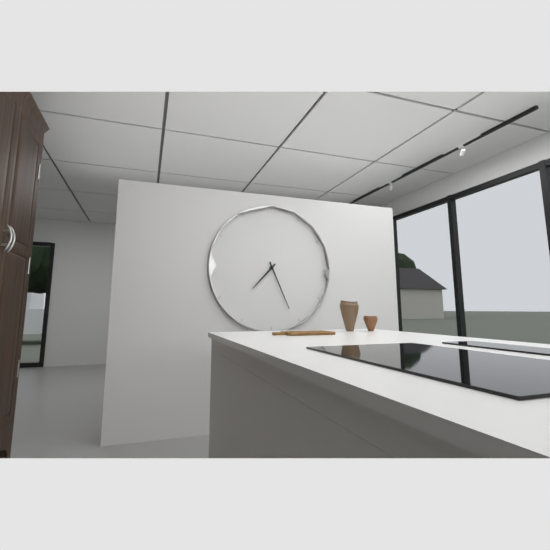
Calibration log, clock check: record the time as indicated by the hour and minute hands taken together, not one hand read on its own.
7:26
